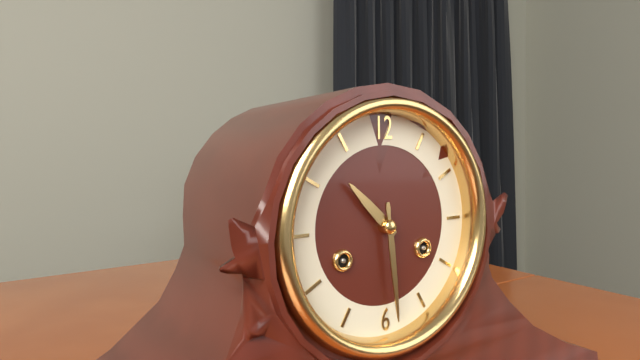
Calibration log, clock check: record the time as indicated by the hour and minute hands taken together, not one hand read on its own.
10:29
